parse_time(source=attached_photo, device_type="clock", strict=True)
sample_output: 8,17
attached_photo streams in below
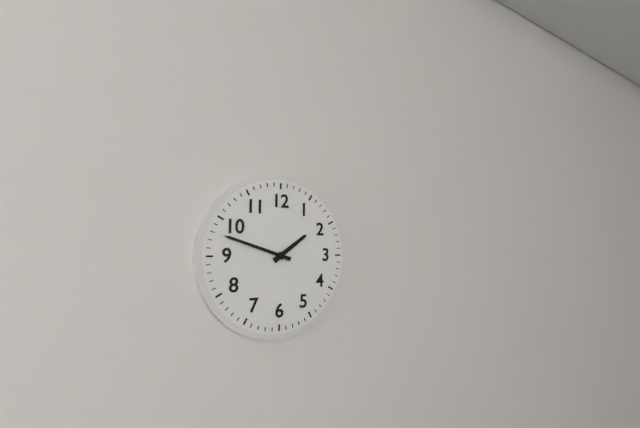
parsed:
1,48
